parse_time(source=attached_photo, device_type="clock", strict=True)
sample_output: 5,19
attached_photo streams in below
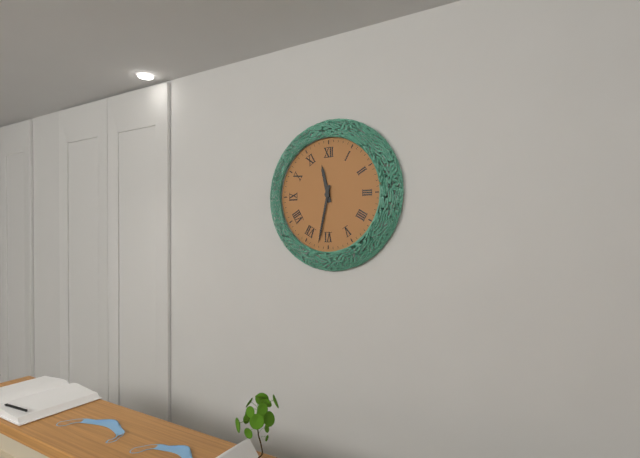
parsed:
11,32
